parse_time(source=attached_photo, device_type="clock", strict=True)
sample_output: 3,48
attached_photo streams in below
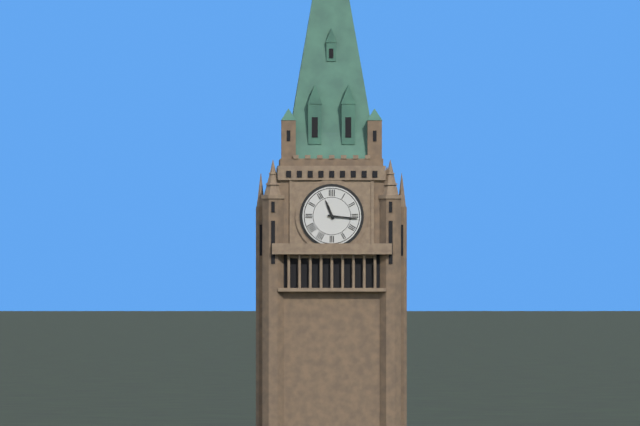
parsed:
11,16
